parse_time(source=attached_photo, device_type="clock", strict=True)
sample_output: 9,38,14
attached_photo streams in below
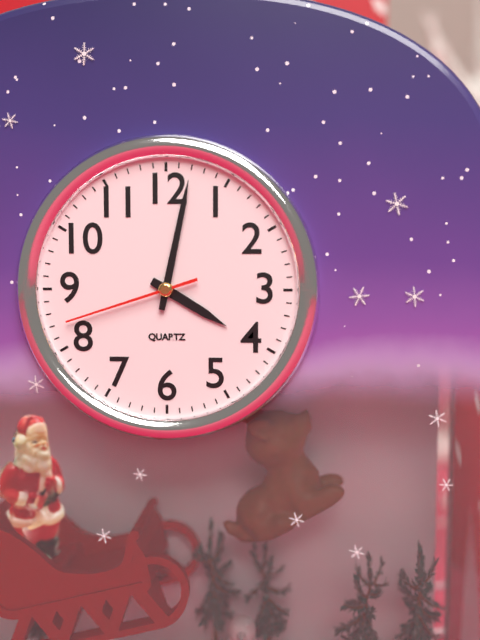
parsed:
4,02,42
